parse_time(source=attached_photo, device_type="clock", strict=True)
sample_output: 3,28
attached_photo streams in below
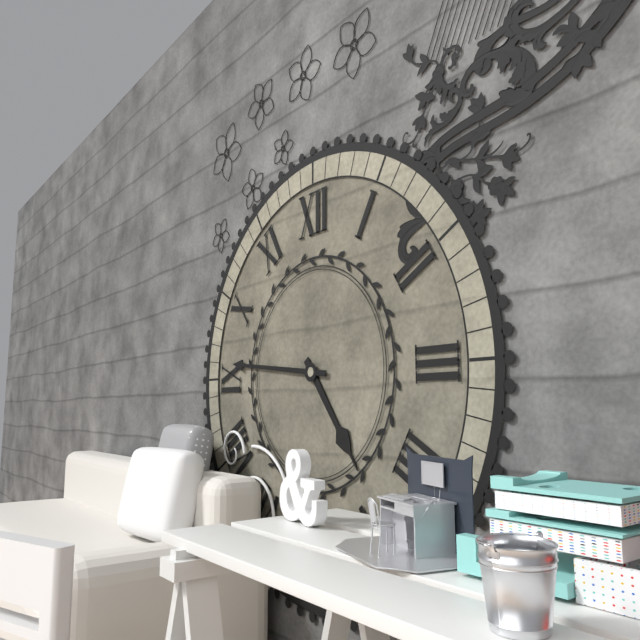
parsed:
4,46
